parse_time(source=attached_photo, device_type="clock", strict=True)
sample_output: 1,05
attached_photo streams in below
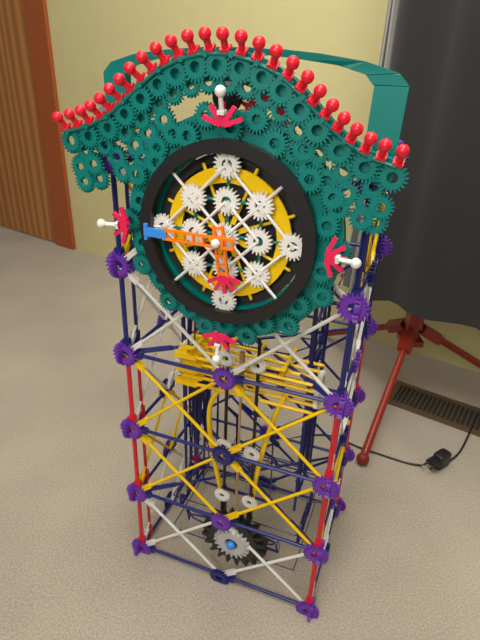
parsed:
5,45
